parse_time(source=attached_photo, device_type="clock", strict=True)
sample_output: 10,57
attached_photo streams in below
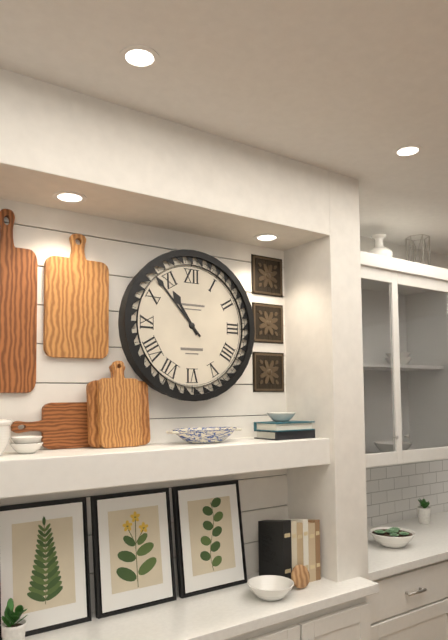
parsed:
10,53
